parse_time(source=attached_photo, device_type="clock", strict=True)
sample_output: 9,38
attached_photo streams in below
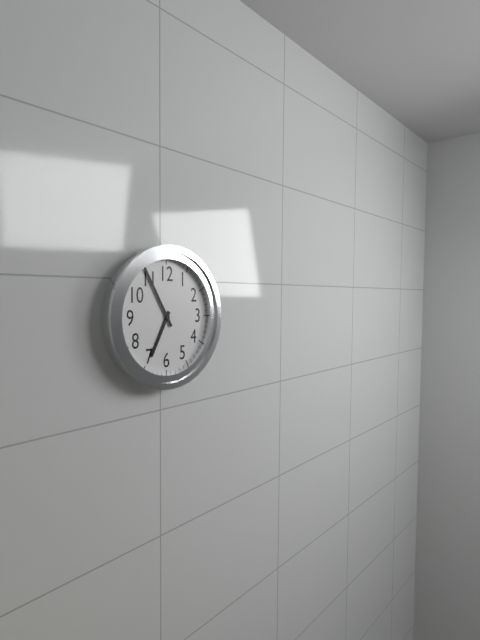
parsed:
6,55
